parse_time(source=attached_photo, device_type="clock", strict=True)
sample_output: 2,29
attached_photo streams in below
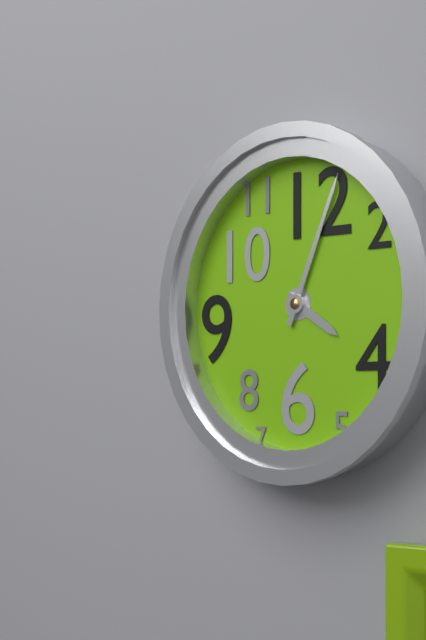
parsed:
4,04
